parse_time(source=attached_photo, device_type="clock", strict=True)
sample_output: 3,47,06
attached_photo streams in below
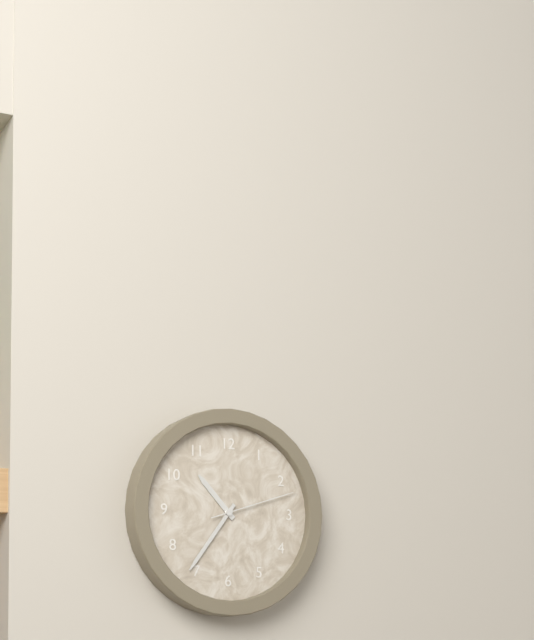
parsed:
10,36,12
